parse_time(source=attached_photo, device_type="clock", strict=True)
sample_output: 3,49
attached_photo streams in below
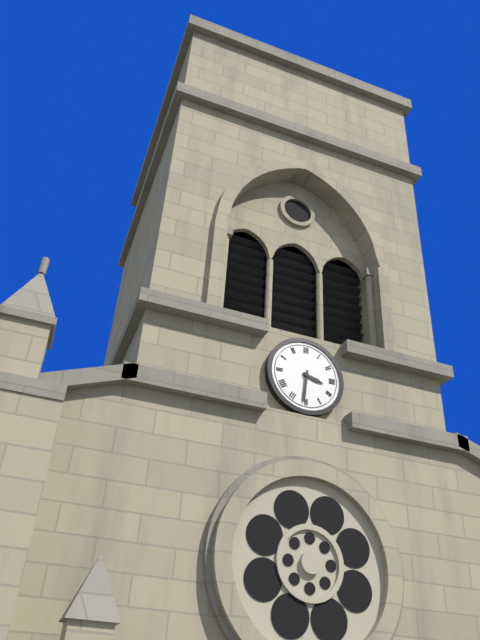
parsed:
3,31
